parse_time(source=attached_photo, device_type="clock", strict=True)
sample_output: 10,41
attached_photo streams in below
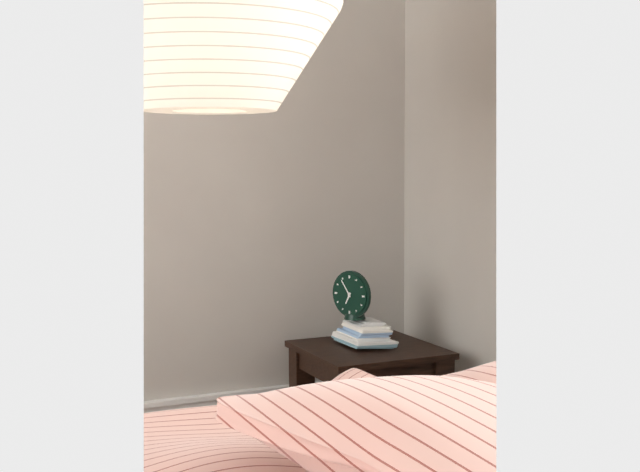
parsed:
6,54
